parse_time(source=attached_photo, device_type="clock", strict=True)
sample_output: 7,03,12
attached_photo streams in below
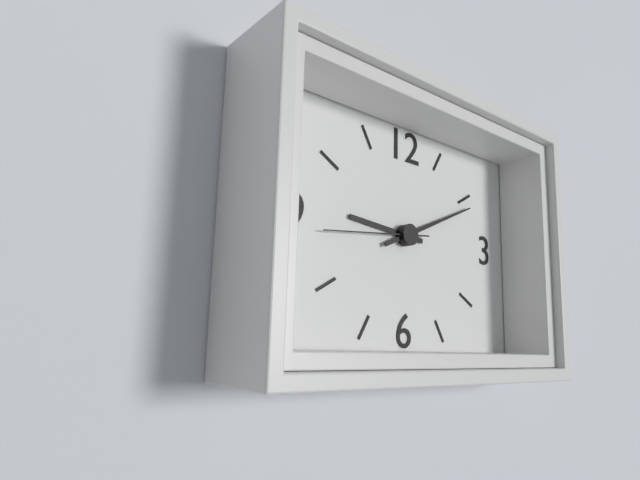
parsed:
9,11,44
